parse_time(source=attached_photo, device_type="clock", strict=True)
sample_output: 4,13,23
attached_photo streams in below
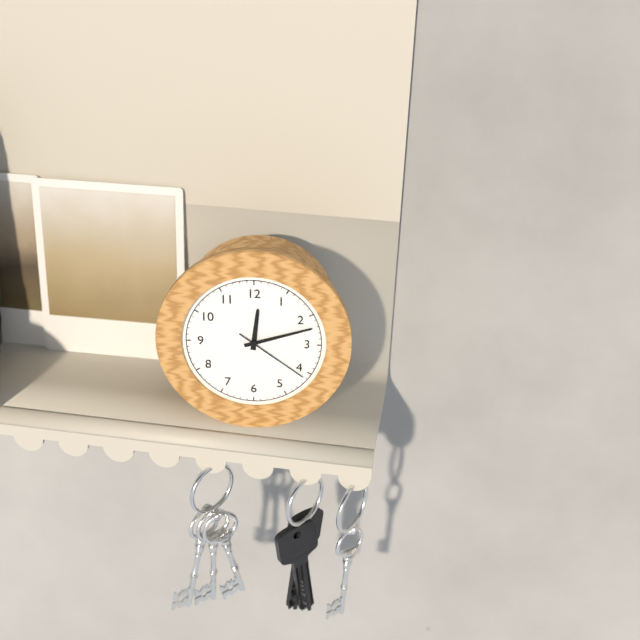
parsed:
12,12,21
